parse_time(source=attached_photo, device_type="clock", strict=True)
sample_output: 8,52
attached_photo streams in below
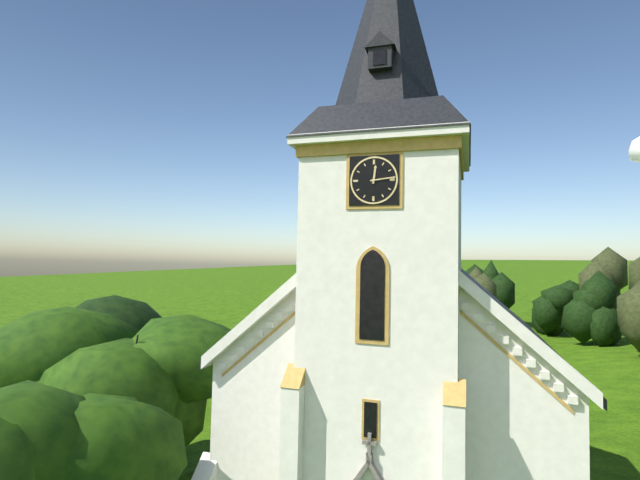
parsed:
12,14
